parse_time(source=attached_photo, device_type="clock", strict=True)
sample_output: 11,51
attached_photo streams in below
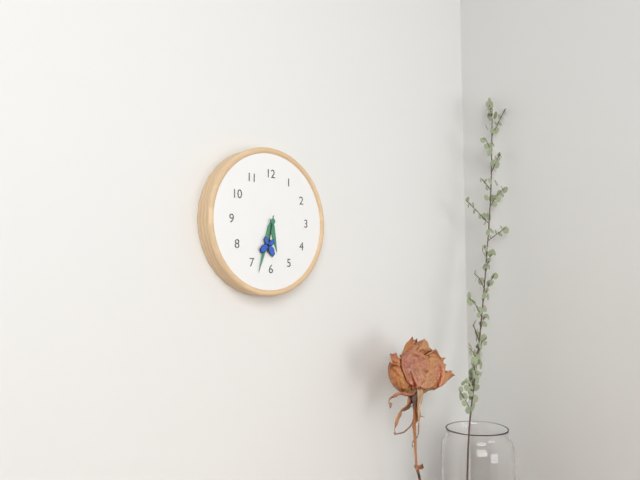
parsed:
5,33
